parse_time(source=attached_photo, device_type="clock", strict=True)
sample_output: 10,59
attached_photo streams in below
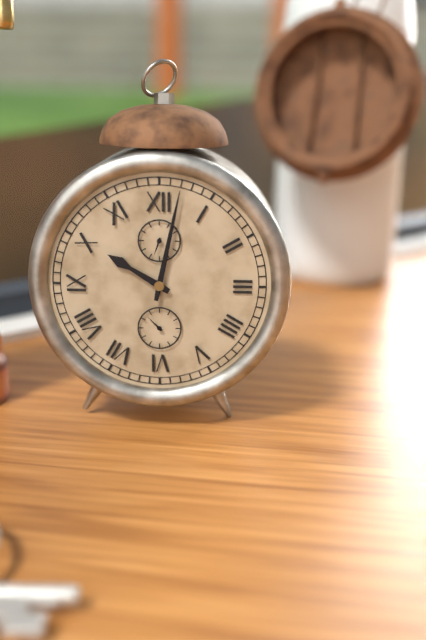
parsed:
10,02
